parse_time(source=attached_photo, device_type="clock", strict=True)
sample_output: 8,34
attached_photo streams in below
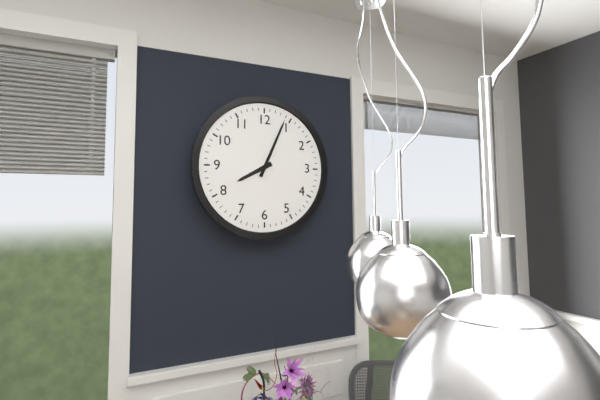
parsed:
8,04
